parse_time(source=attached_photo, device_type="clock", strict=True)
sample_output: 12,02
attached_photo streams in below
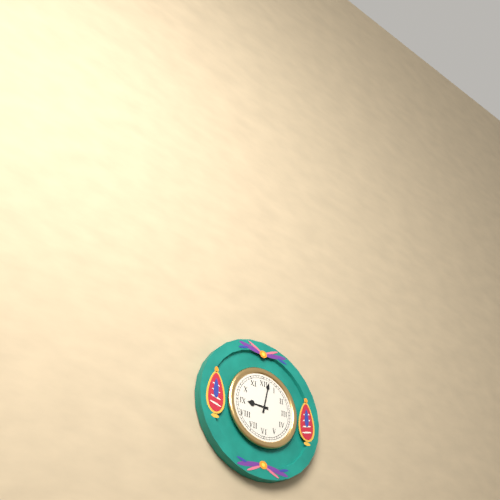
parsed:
9,02
